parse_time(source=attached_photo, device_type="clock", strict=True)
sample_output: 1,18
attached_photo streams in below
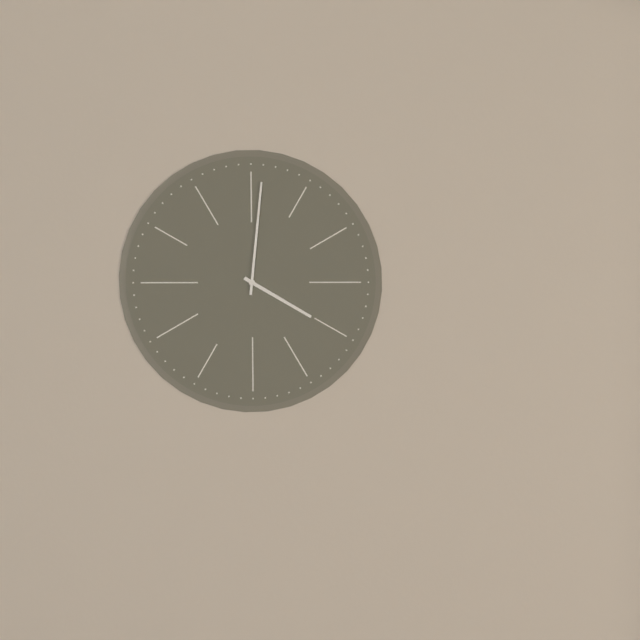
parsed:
4,01
